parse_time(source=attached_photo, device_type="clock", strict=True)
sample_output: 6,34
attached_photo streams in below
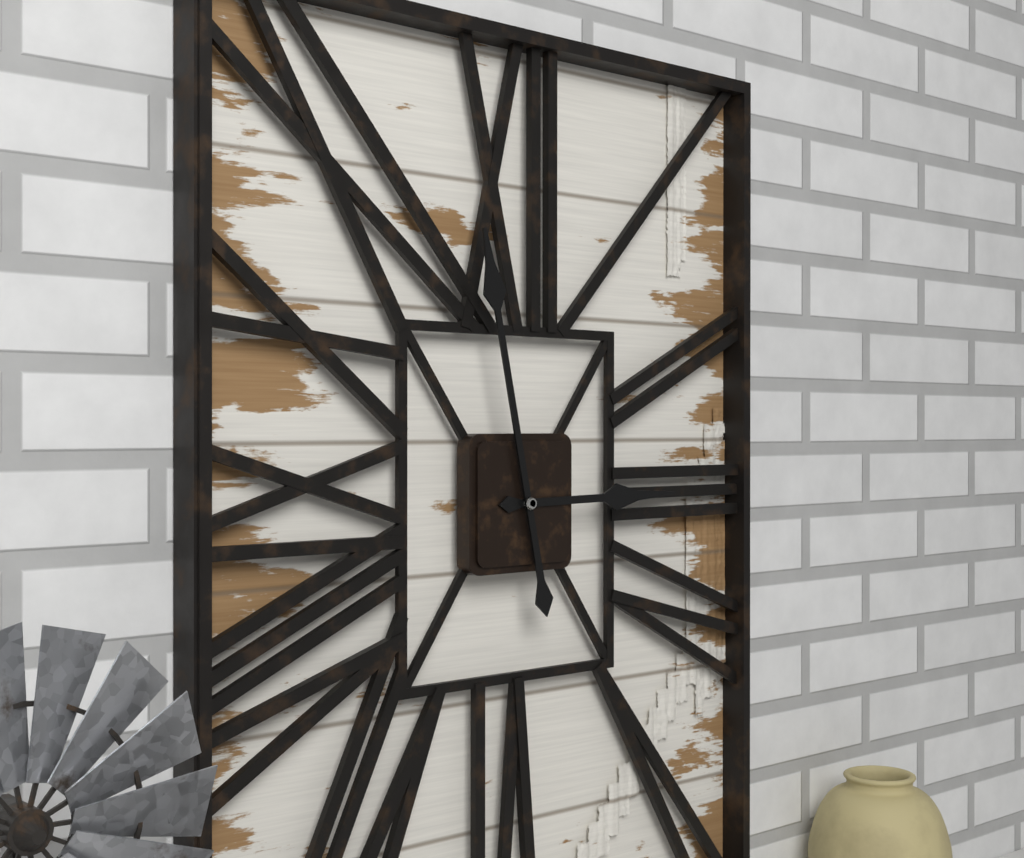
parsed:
2,58
